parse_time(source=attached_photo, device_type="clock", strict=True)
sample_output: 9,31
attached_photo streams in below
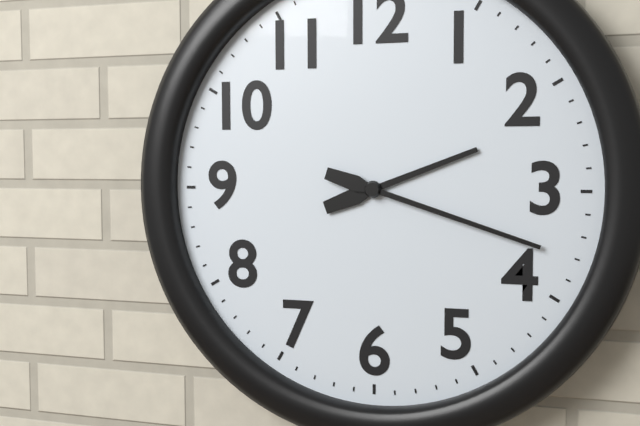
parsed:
2,18
